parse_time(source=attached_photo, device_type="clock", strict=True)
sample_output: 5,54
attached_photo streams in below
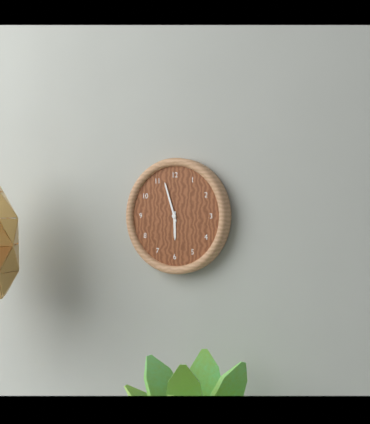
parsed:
5,57
